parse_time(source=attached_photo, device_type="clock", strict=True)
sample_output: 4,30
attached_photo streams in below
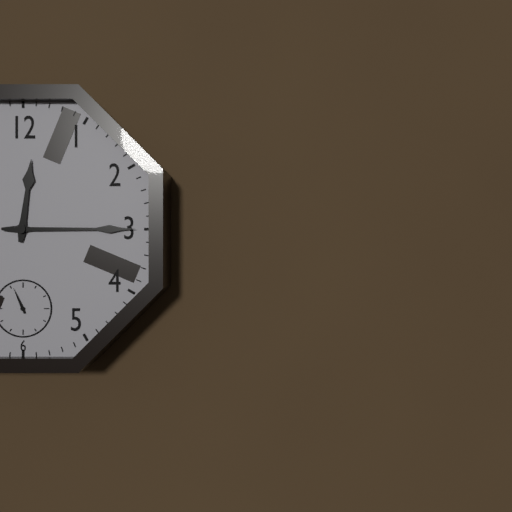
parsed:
12,15
